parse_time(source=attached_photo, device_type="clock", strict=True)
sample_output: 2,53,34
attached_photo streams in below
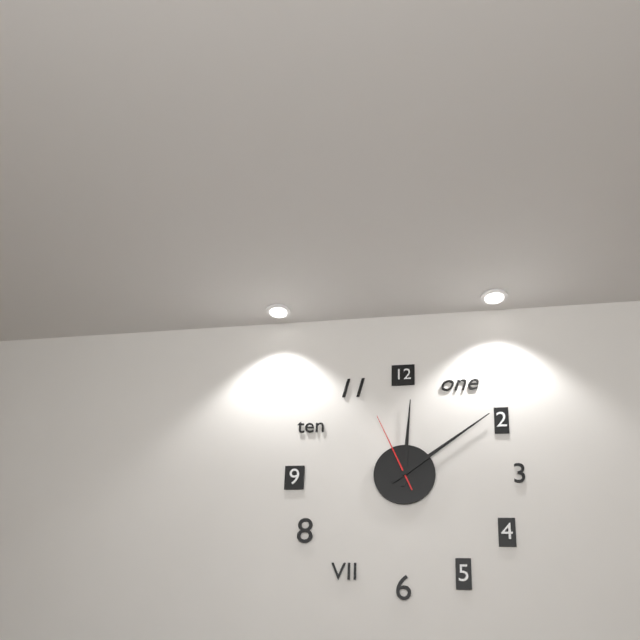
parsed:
12,09,56
